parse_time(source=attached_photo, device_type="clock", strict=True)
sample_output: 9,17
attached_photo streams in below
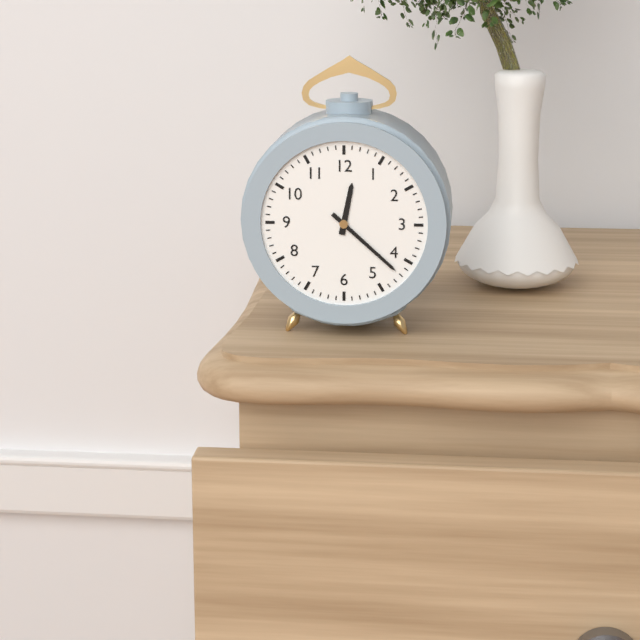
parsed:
12,22
